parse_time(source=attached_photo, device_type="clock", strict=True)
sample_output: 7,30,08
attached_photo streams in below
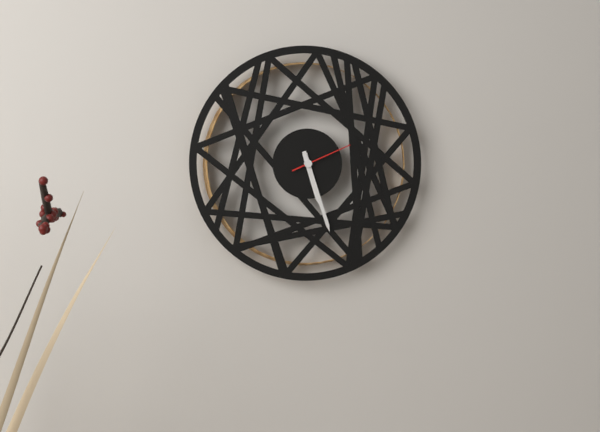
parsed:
5,27,11
